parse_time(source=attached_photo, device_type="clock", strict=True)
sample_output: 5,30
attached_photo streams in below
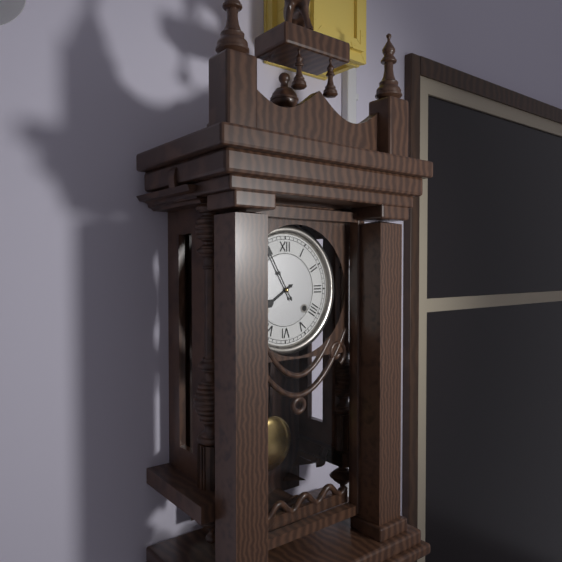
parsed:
7,55
